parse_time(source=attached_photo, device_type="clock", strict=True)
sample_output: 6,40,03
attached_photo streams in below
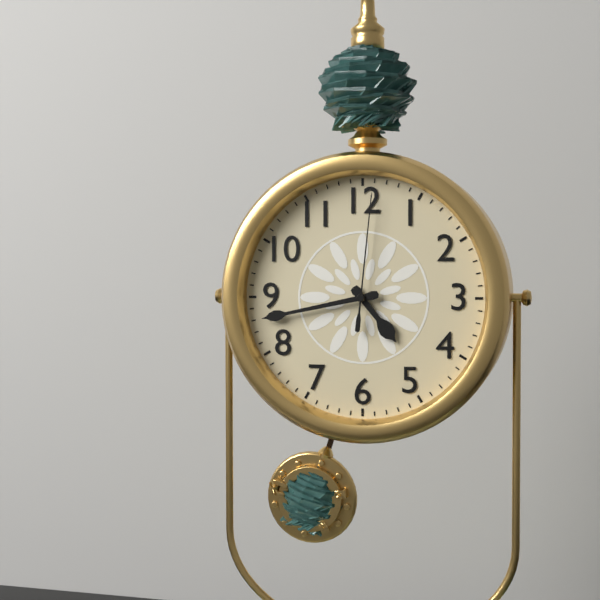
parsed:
4,43,01
